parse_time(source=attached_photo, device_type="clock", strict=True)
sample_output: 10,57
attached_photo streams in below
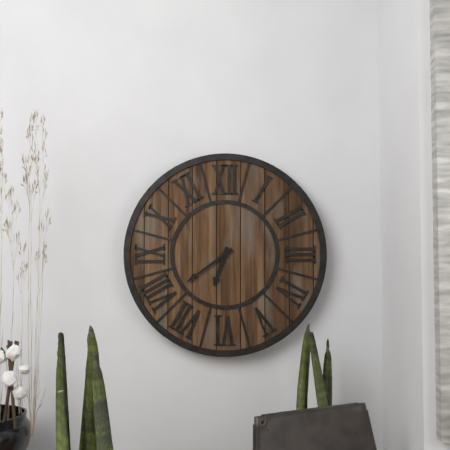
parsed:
6,39
